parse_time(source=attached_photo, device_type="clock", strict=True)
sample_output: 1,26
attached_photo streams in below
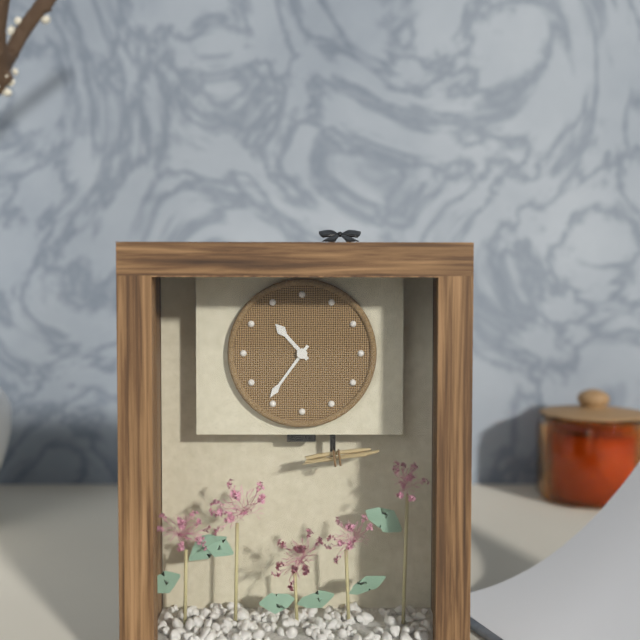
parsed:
10,36
